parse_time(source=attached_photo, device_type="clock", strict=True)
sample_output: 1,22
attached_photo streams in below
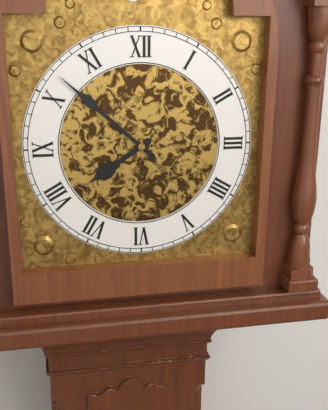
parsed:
7,52
